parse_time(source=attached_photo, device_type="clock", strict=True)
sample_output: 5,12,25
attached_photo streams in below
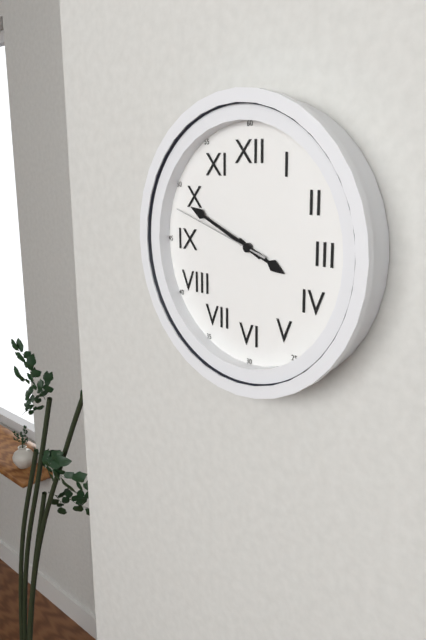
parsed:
3,49,48
